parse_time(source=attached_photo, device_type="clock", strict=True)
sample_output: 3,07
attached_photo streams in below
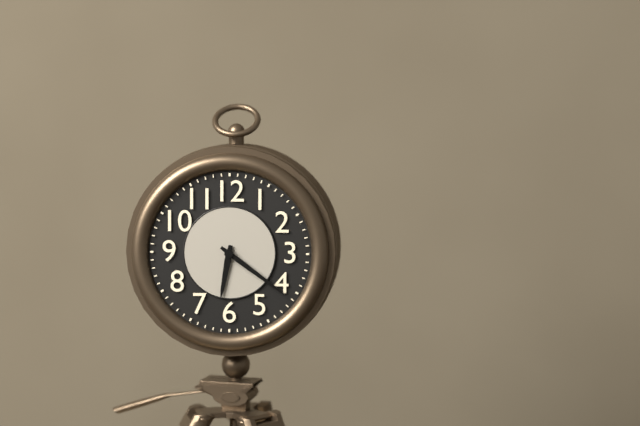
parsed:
6,21
